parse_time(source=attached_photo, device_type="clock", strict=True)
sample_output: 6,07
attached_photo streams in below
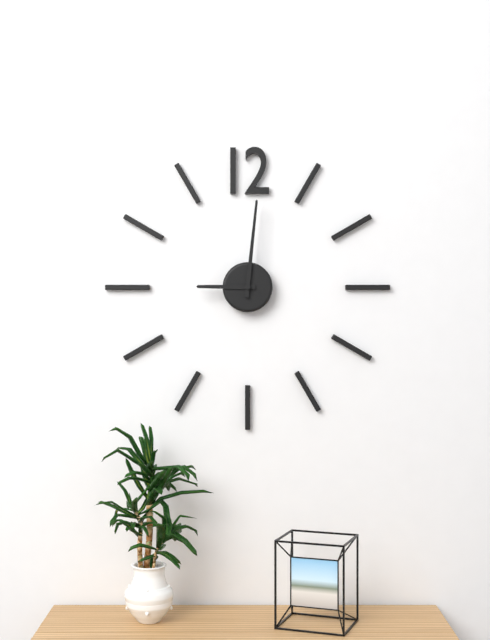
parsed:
9,01
